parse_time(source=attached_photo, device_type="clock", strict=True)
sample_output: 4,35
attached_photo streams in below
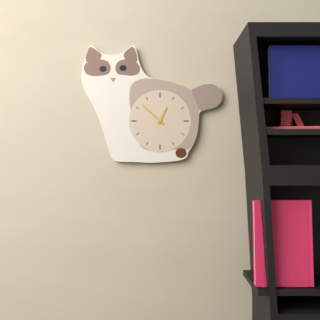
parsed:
12,52
